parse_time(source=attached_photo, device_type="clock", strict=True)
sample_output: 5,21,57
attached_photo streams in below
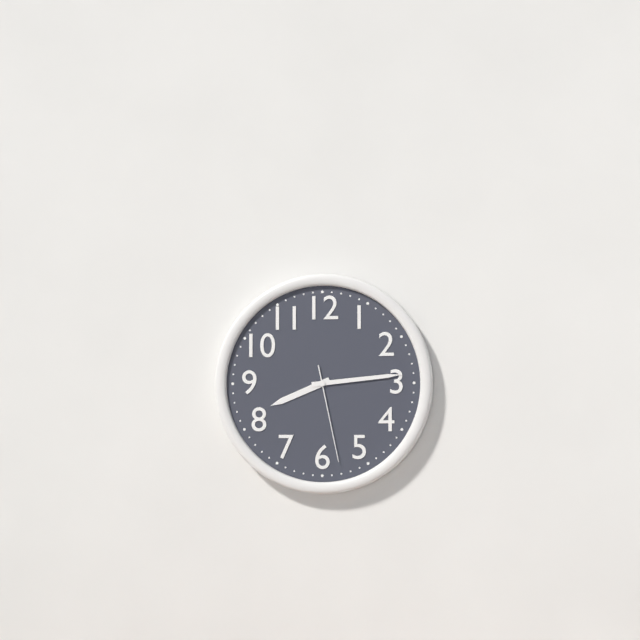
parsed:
8,14,28
